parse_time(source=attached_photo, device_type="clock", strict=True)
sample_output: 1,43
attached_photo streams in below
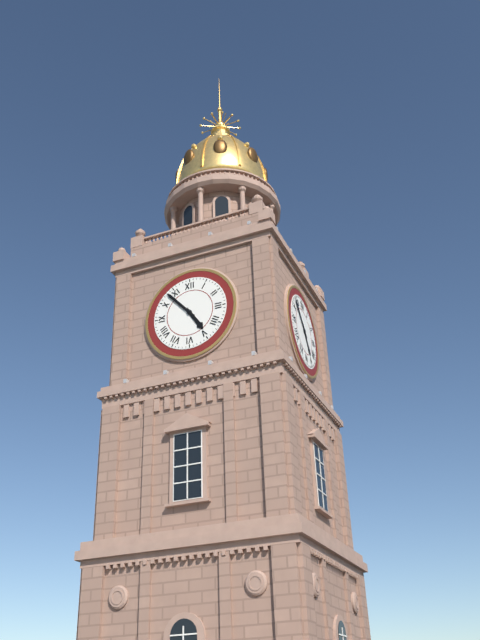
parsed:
4,53
